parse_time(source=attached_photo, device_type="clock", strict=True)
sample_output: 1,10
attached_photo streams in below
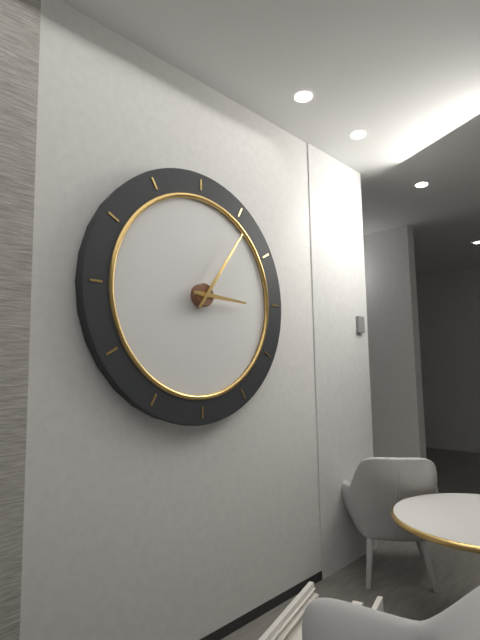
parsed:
3,06
